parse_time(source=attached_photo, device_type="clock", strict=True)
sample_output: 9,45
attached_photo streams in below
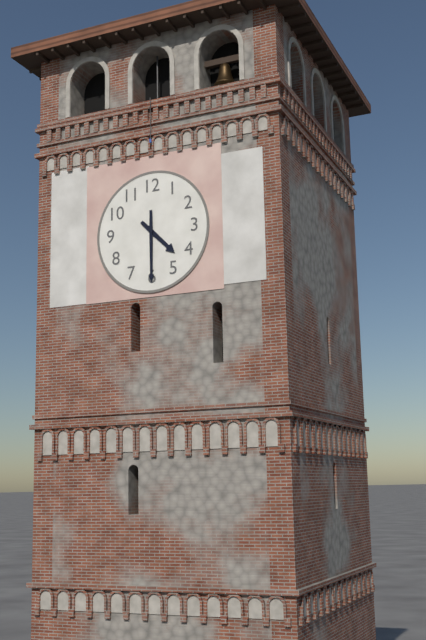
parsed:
4,30
